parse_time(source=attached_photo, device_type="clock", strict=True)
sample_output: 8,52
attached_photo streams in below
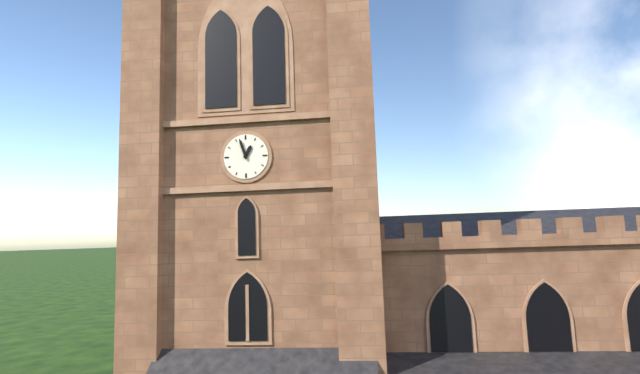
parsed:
12,57
